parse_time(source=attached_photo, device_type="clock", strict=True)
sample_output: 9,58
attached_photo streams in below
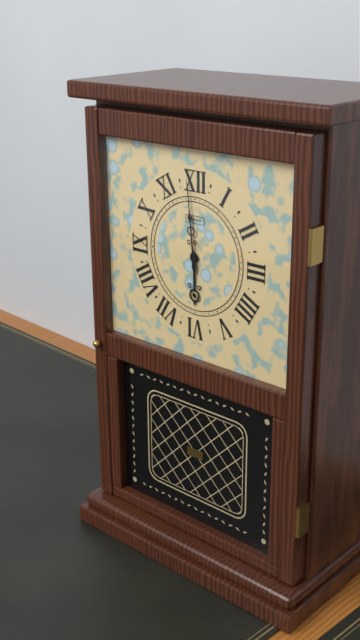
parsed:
5,59
